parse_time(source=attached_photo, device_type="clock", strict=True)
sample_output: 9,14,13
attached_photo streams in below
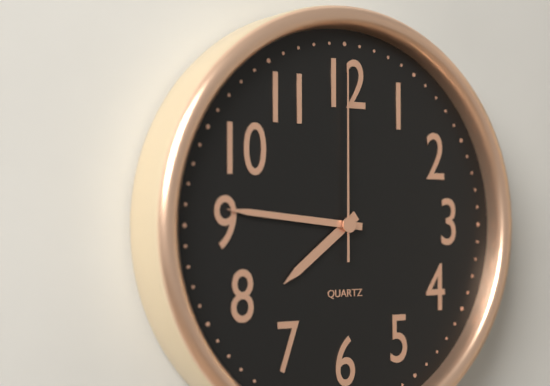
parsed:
7,46,00
